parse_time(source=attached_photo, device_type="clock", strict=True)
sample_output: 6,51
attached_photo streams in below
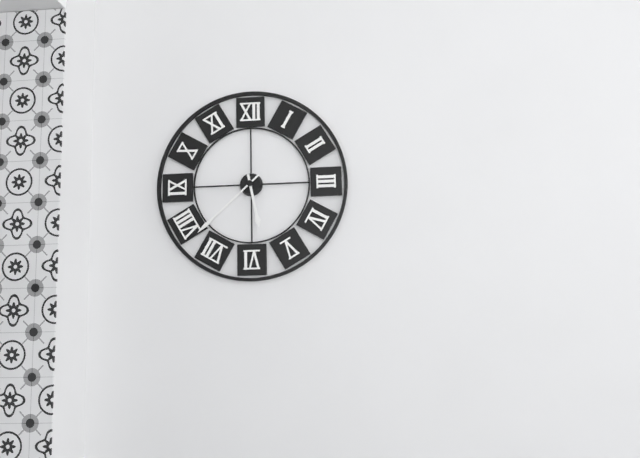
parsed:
5,38
